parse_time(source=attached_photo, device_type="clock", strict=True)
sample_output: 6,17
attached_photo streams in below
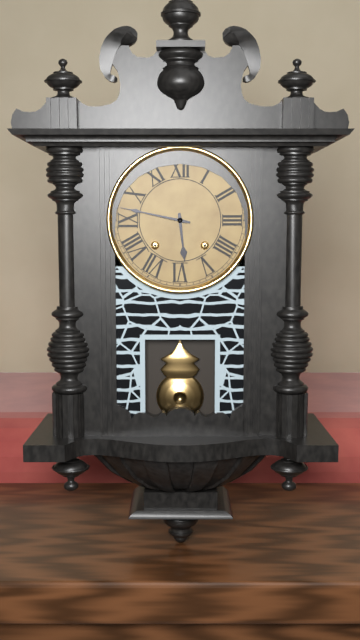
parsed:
5,47
